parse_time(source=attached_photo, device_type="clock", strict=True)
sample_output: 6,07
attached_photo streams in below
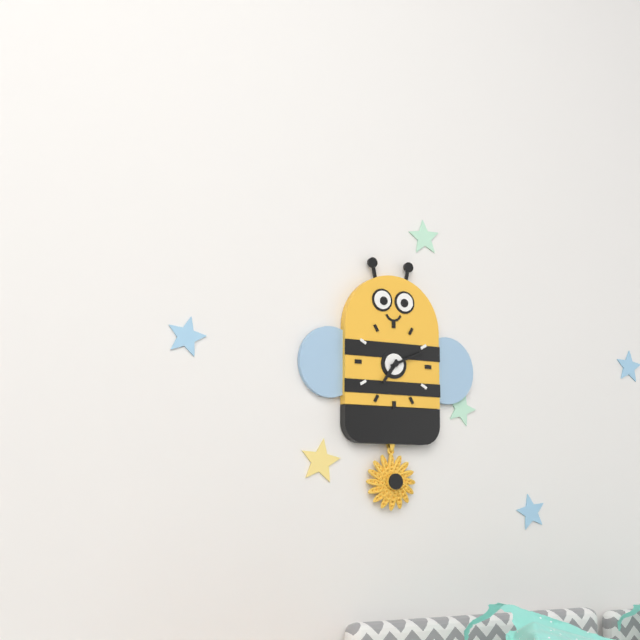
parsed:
7,11
